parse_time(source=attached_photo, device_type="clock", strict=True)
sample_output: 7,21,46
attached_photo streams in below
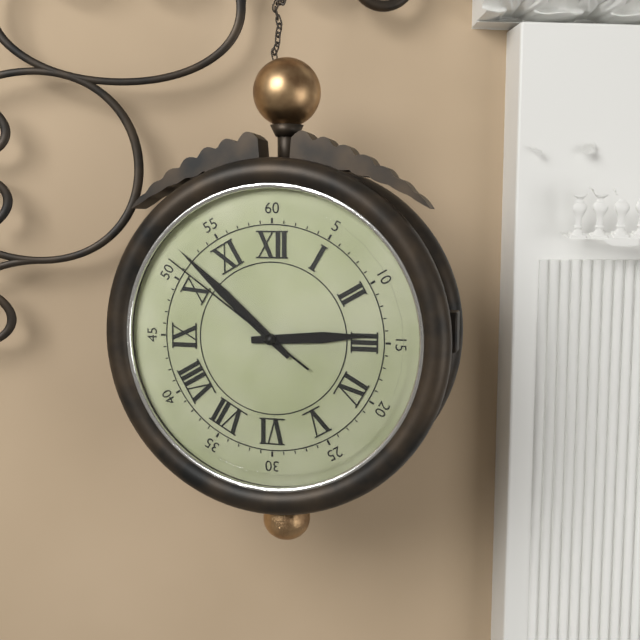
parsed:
2,52,51
